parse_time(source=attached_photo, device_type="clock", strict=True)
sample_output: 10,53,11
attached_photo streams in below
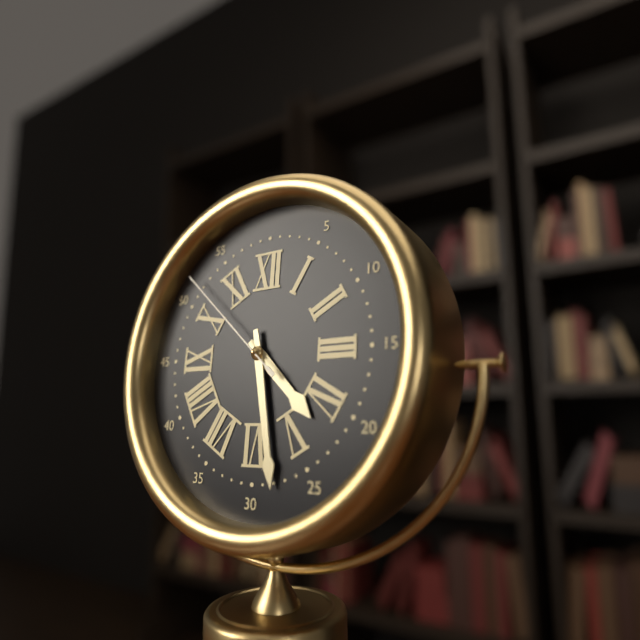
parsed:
4,28,52
